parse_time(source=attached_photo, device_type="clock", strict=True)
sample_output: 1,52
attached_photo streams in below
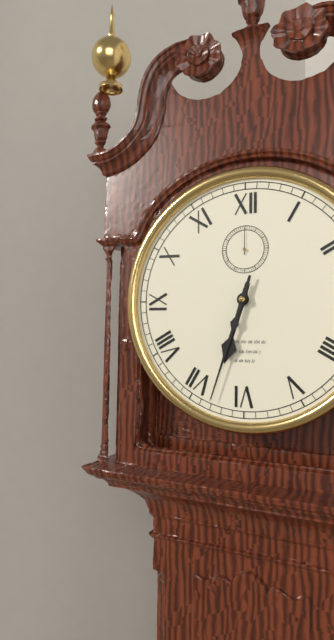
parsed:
6,33
